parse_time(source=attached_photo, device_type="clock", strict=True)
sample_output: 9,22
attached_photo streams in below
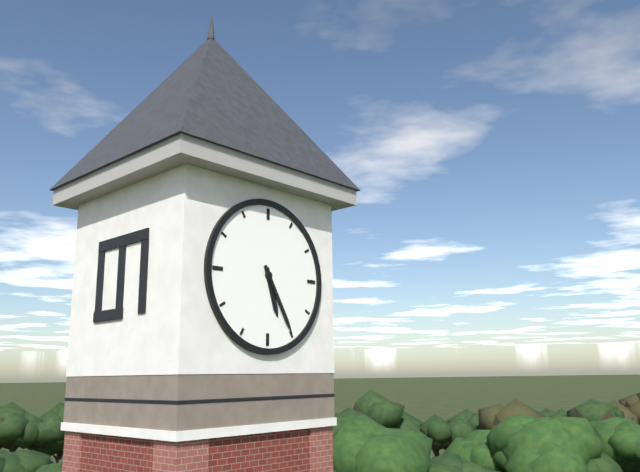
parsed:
5,25
